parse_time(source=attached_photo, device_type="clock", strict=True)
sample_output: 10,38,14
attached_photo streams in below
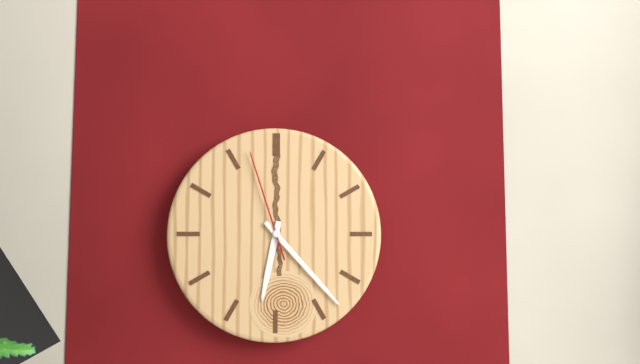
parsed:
6,23,57
